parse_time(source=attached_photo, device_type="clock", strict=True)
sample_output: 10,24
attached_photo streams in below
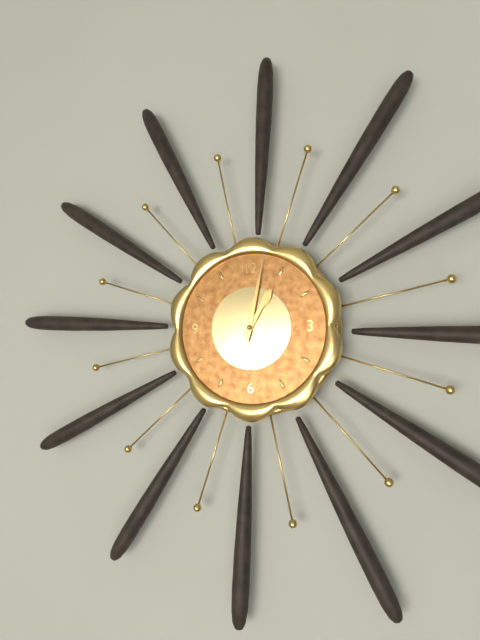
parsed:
1,02
